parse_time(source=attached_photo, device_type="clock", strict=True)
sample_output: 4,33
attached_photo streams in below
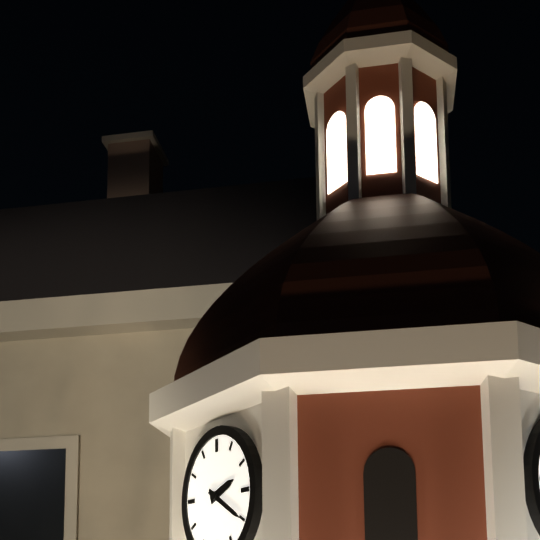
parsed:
2,20
